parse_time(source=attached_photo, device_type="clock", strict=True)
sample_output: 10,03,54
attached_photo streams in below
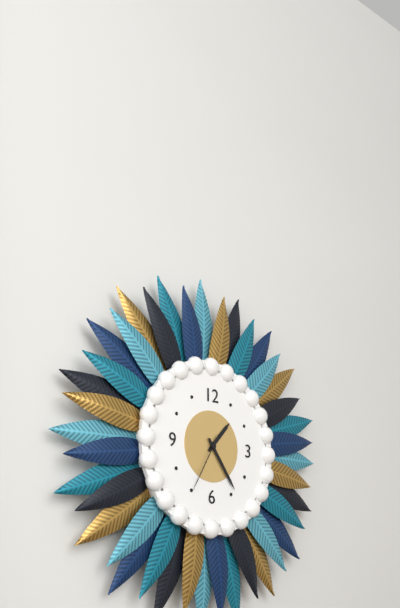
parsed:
1,24,35
